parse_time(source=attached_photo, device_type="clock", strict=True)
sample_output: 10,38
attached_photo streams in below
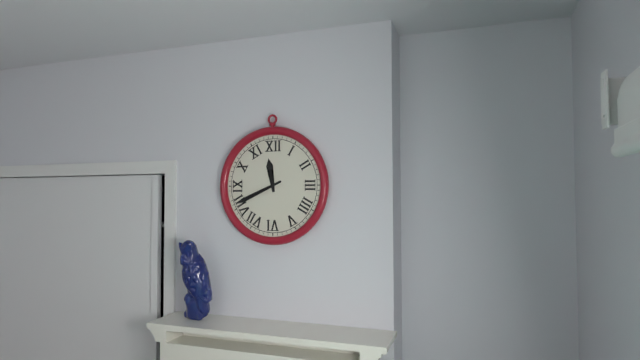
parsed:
11,41
